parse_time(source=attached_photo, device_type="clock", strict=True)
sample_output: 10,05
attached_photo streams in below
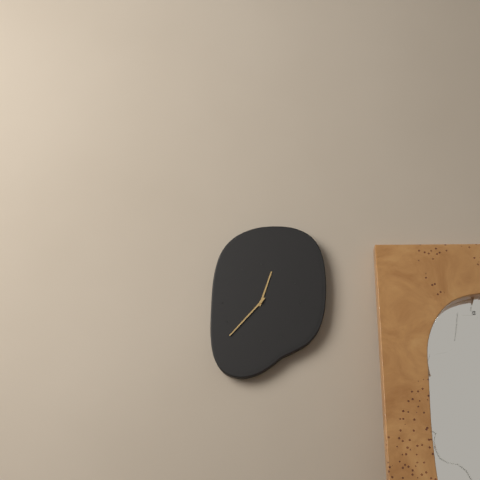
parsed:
12,37
